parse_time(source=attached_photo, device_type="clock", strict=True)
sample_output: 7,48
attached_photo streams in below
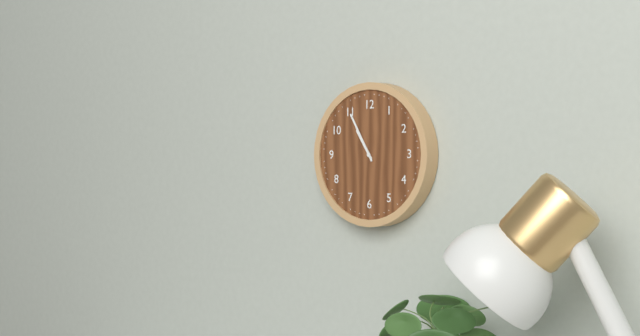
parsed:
10,55
